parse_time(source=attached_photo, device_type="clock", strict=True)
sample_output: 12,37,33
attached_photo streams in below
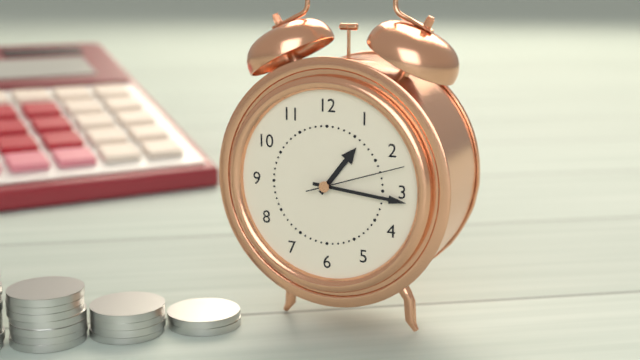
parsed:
1,16,12
